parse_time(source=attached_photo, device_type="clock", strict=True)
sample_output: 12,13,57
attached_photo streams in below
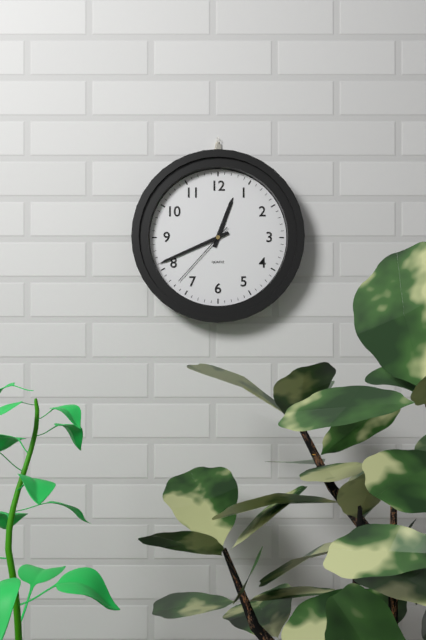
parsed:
12,41,37
